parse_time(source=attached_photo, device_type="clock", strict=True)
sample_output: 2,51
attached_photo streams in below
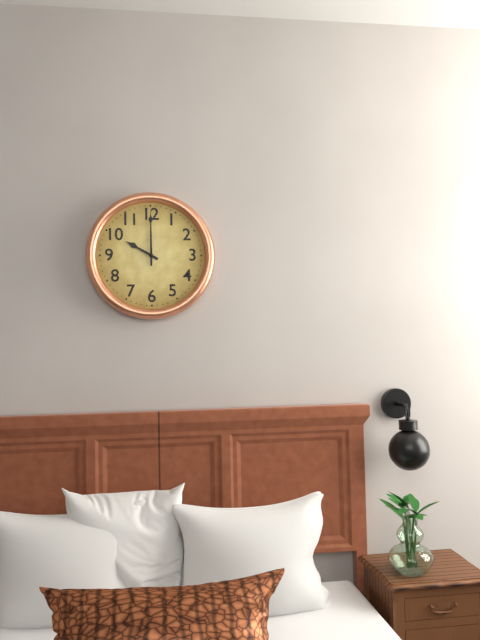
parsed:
10,00
